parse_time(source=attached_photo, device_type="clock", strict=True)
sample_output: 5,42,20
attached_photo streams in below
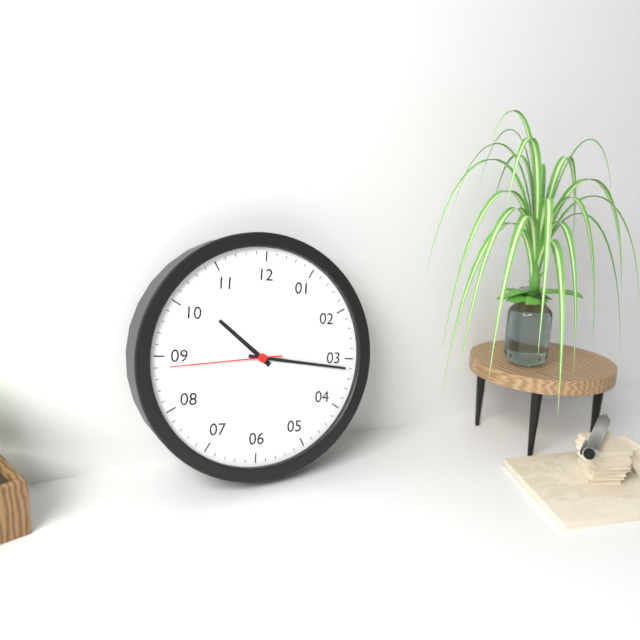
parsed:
10,16,44
